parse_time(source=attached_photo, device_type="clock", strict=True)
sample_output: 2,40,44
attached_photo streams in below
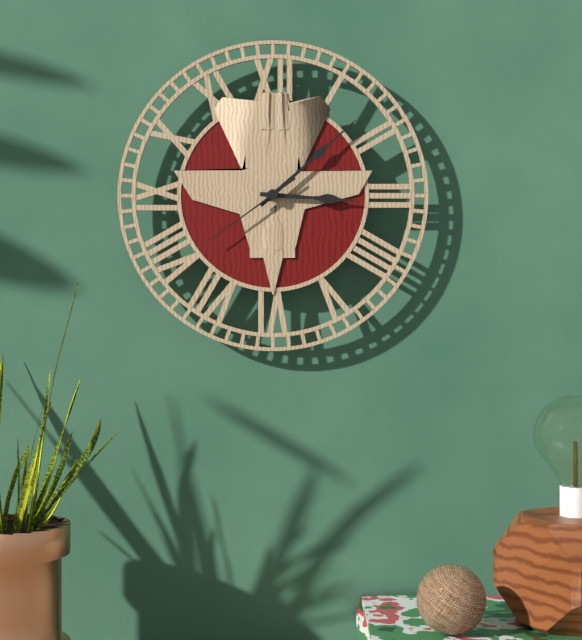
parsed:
3,08,39
